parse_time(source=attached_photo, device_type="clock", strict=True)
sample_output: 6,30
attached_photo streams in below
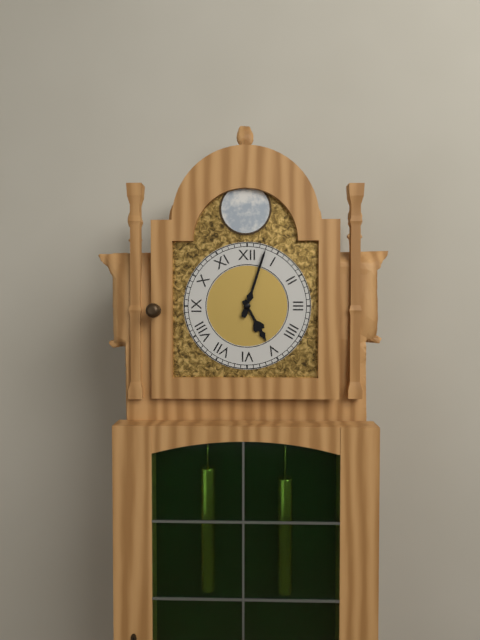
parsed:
5,03
